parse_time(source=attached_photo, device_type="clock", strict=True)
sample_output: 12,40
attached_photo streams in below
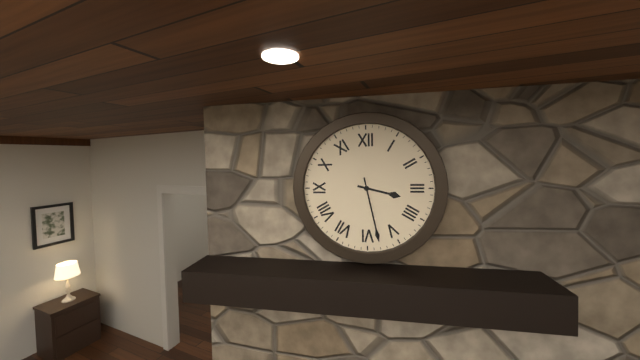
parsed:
3,28
